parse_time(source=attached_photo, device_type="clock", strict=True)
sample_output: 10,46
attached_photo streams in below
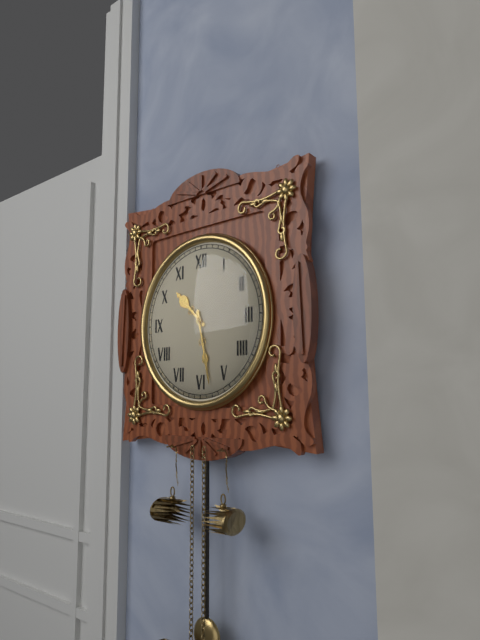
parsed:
10,28
